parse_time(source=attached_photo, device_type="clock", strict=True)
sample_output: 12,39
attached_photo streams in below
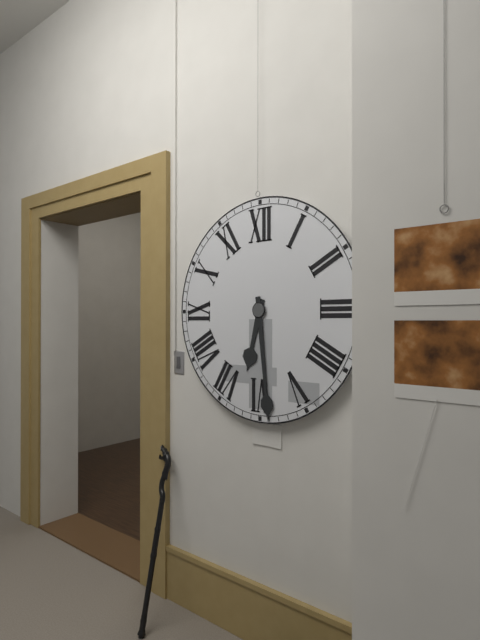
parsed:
6,29
